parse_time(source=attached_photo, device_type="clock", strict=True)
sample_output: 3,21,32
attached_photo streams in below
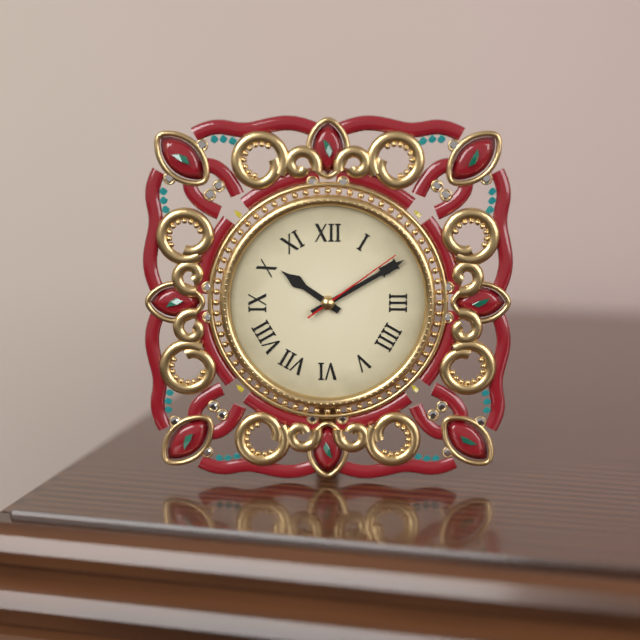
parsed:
10,10,09
